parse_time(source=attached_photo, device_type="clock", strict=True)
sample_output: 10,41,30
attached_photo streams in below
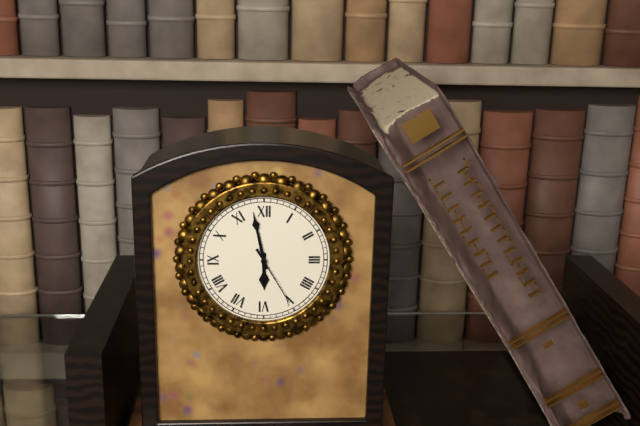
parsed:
5,58,25
